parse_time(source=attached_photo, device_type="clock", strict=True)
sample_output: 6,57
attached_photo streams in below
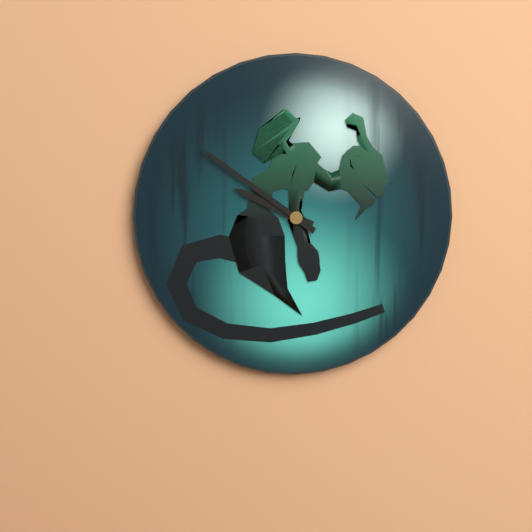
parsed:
9,51
